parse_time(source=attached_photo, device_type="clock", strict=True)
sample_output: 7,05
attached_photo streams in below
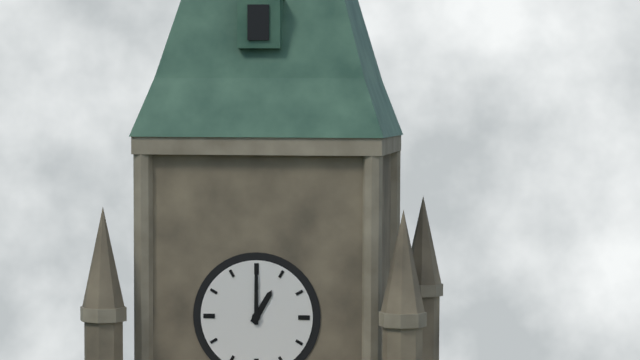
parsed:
1,00
